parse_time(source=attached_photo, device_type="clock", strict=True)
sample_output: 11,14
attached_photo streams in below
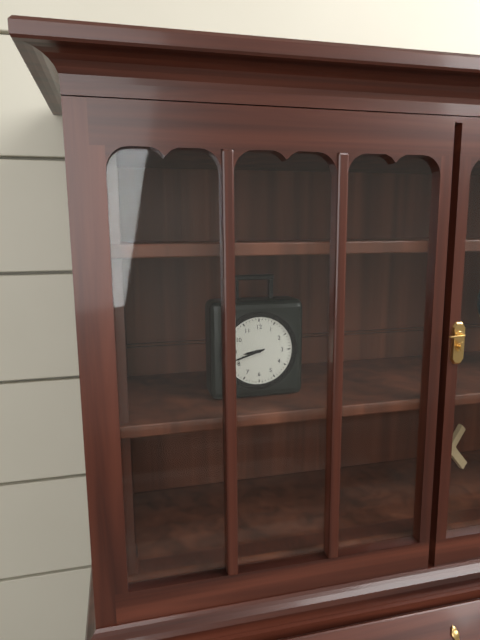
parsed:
8,42
